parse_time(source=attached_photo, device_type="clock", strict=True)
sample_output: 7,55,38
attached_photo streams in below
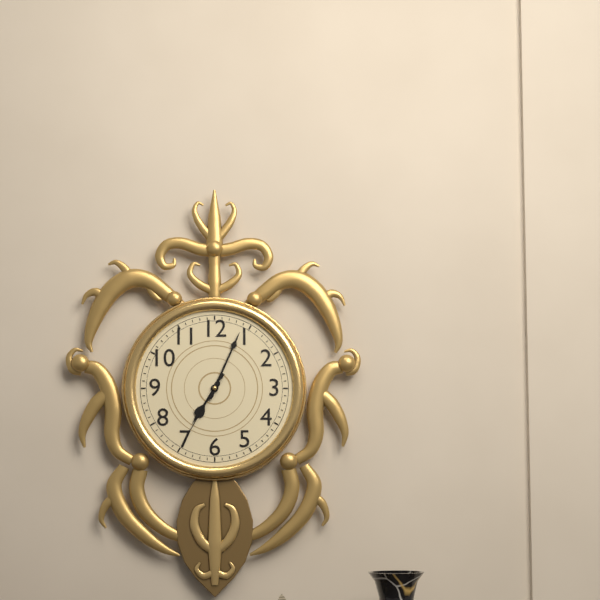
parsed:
7,04,35
